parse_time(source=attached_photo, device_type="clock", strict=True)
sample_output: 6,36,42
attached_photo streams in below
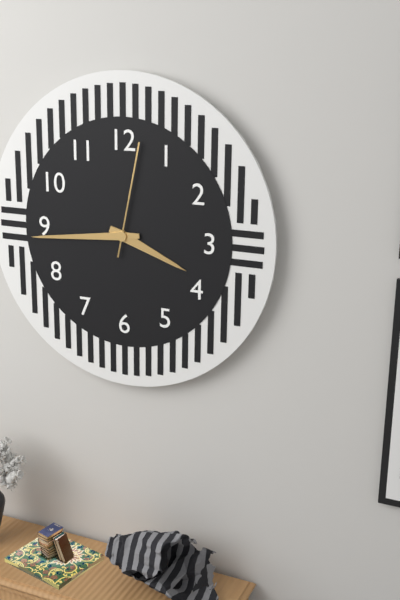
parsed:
3,44,02
